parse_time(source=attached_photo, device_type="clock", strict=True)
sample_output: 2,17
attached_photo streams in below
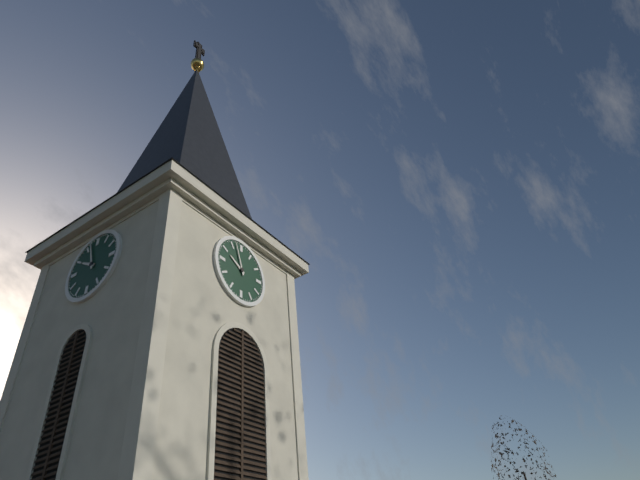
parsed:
9,57
